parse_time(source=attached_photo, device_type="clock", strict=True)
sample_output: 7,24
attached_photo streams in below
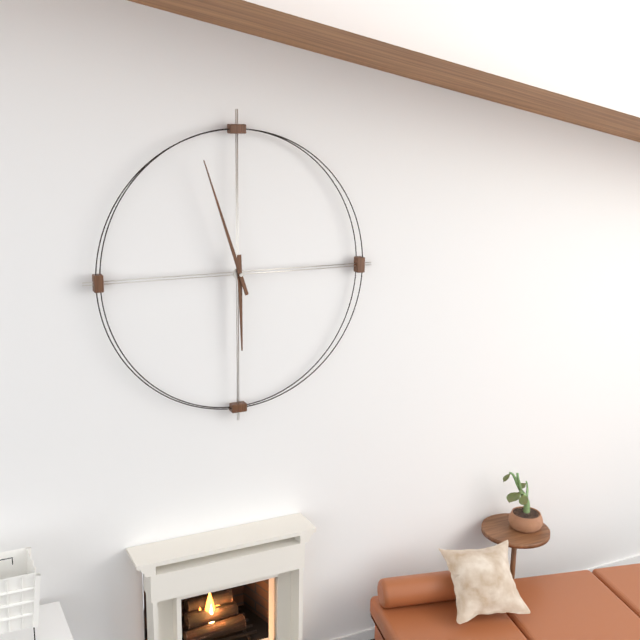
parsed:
5,57
